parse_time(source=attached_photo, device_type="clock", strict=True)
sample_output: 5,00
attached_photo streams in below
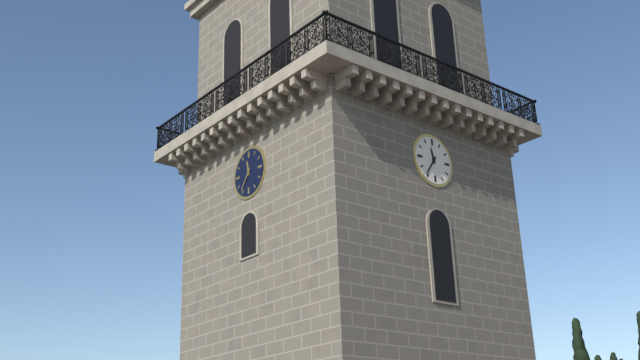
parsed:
11,36
